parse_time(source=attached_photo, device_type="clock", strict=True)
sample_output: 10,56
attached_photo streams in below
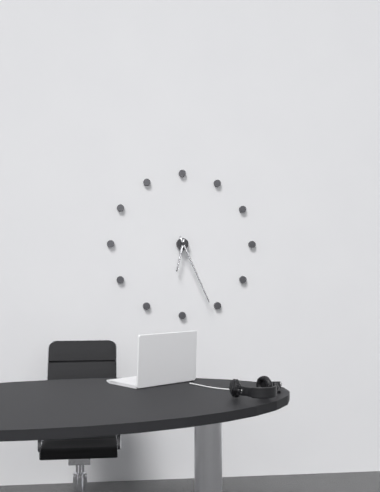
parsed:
6,26
